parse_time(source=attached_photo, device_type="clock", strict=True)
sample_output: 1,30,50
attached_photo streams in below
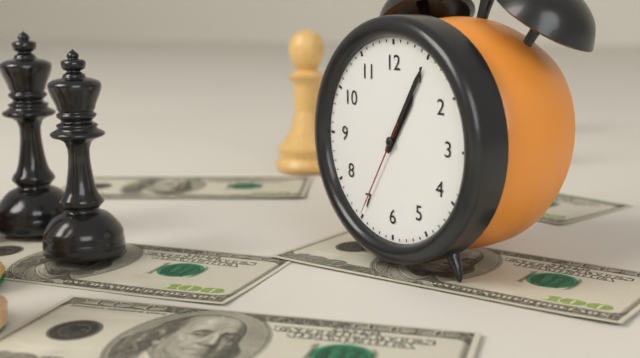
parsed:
1,05,35
